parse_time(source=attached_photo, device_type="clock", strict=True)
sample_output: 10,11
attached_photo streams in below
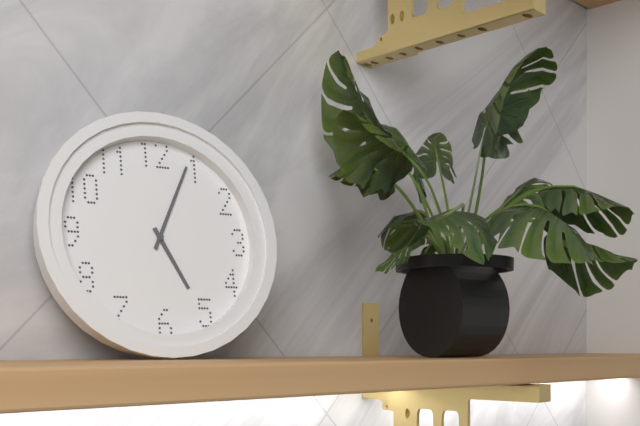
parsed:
5,04
